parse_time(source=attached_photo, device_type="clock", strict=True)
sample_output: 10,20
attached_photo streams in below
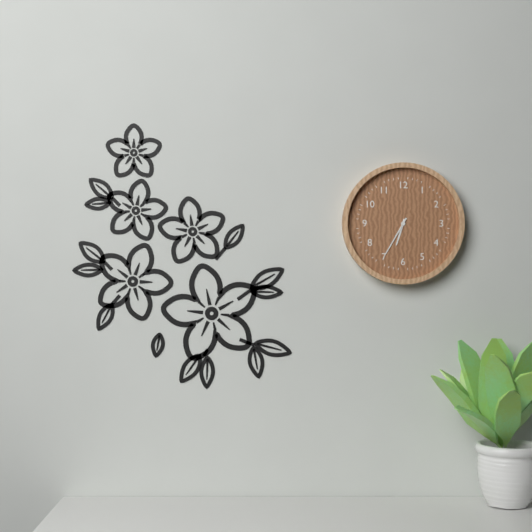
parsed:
6,35
